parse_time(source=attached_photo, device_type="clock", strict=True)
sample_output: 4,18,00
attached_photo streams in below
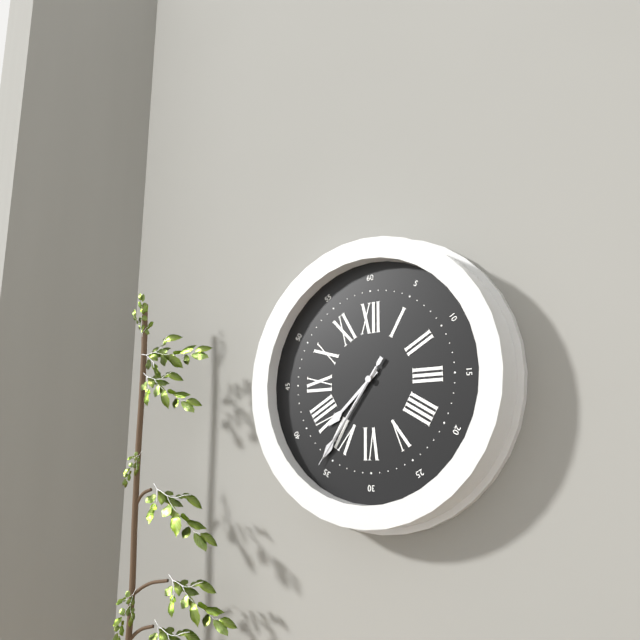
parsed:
7,36,36
